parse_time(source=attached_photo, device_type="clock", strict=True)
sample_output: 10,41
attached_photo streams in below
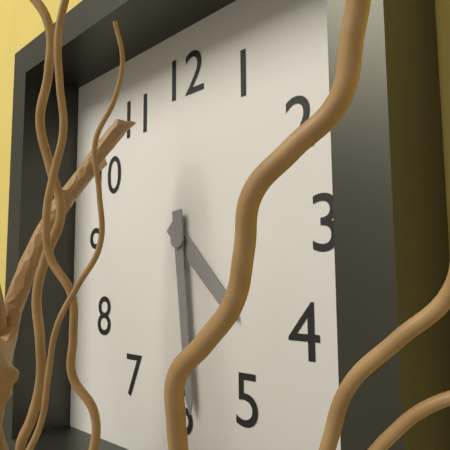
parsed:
4,29
